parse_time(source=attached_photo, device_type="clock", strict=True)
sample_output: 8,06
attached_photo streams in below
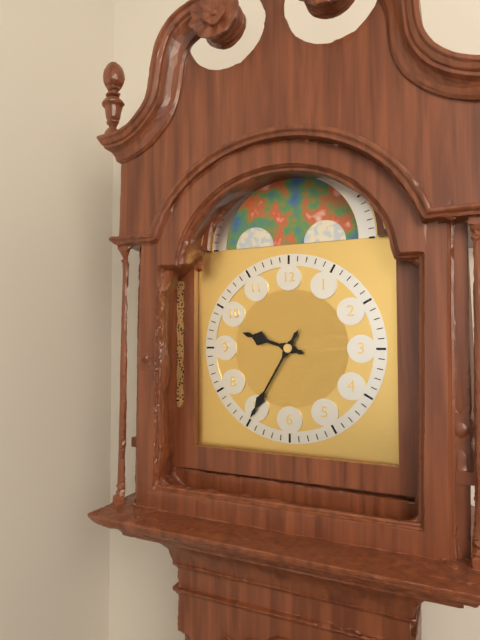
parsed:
9,35
